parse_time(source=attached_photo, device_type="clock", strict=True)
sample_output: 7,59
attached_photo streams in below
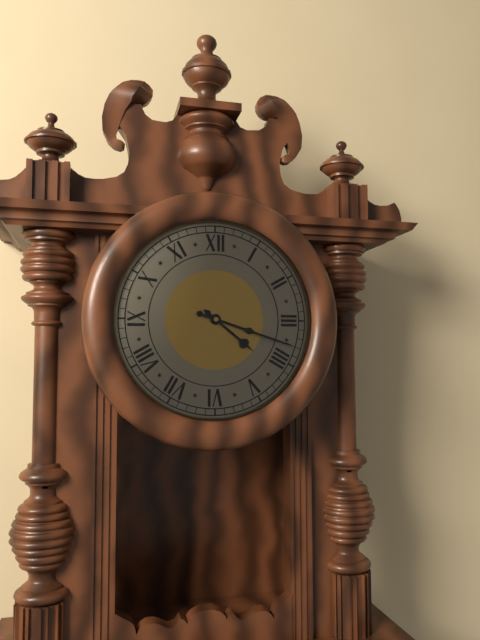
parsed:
4,18
